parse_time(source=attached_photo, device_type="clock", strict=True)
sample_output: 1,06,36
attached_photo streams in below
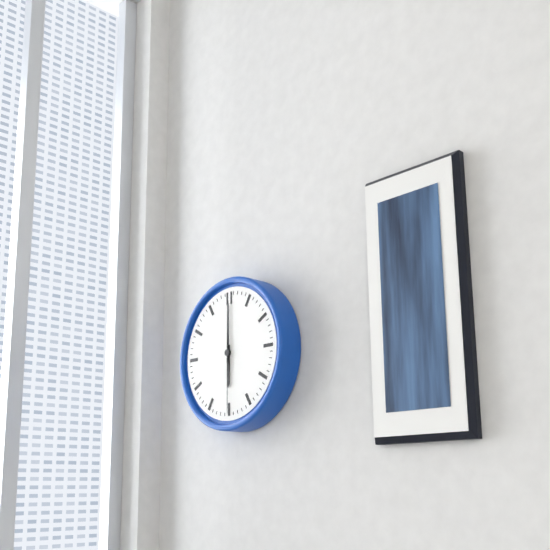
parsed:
6,00,30
